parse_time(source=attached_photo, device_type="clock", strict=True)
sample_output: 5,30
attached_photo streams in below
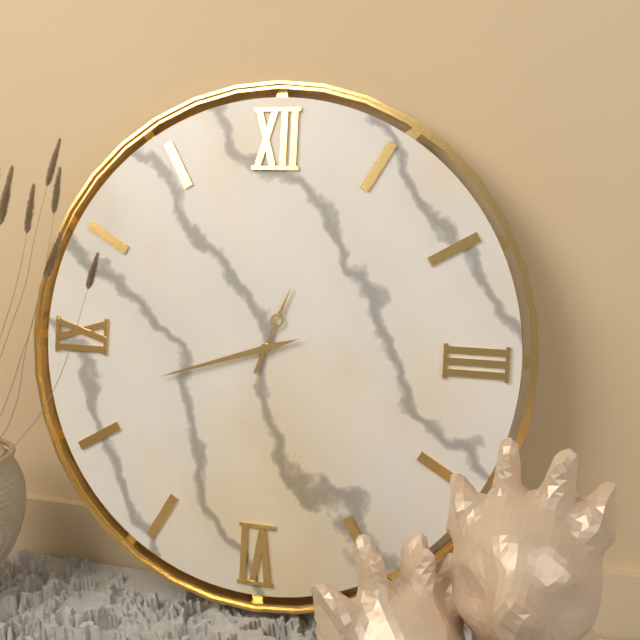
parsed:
12,42
